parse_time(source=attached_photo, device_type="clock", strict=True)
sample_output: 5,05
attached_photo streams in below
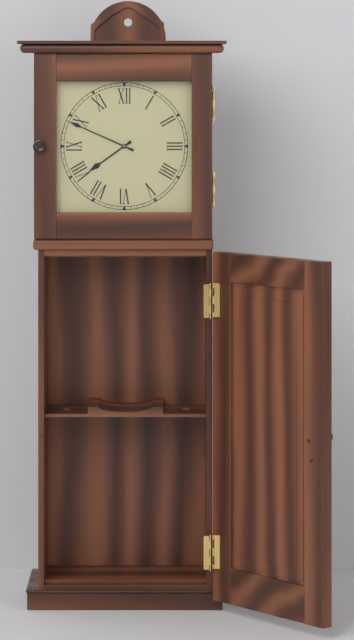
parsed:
7,49
